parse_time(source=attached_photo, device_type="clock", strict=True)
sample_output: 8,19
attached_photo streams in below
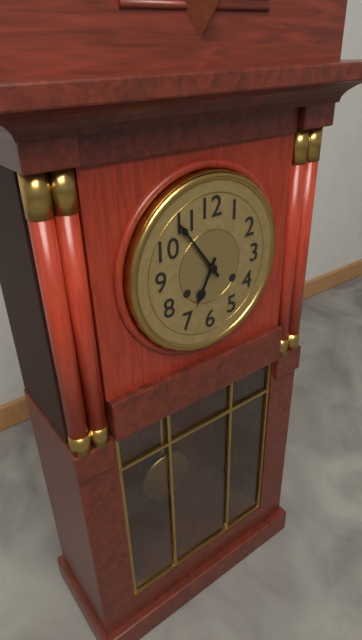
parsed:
6,54
